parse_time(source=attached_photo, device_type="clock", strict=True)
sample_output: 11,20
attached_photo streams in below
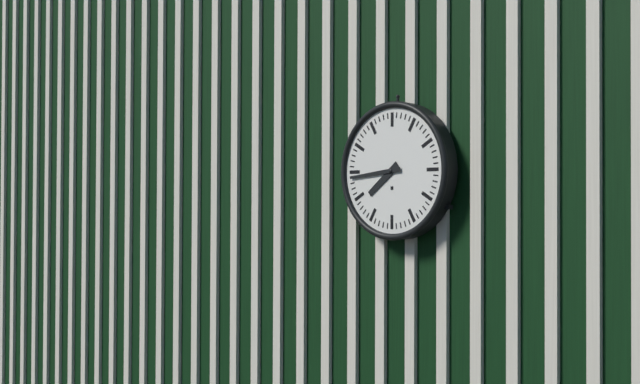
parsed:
7,44
